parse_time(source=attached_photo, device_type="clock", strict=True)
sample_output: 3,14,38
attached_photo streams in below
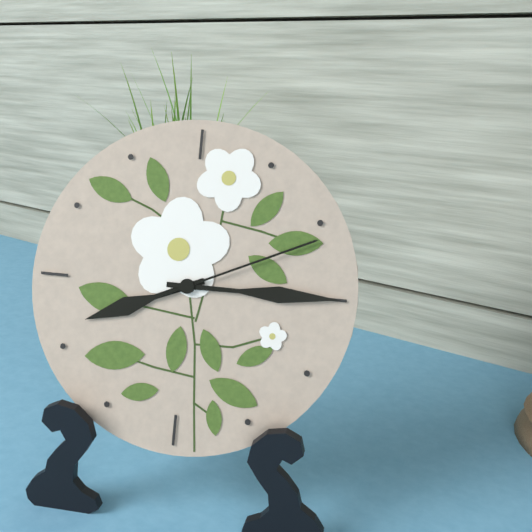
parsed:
8,15,11
